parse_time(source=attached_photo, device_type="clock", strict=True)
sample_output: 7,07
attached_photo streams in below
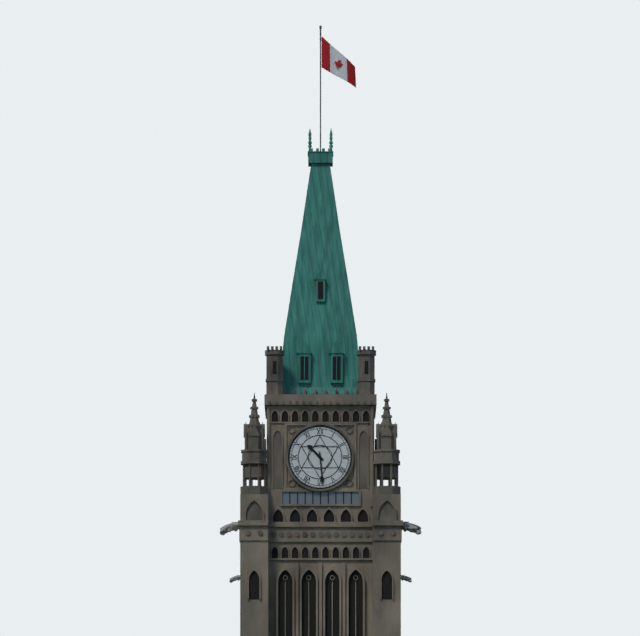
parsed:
10,29
